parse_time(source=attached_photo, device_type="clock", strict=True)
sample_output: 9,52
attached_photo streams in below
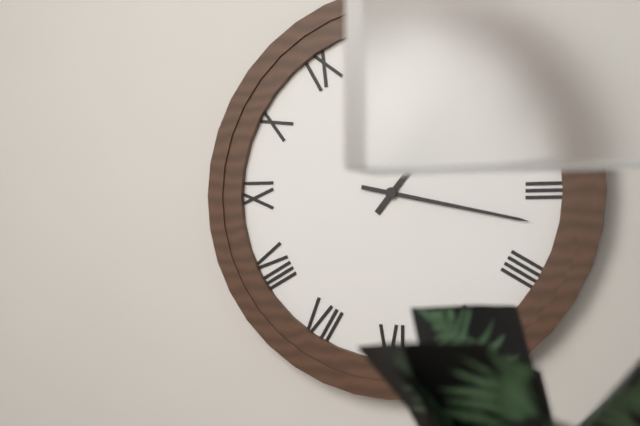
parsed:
1,17
